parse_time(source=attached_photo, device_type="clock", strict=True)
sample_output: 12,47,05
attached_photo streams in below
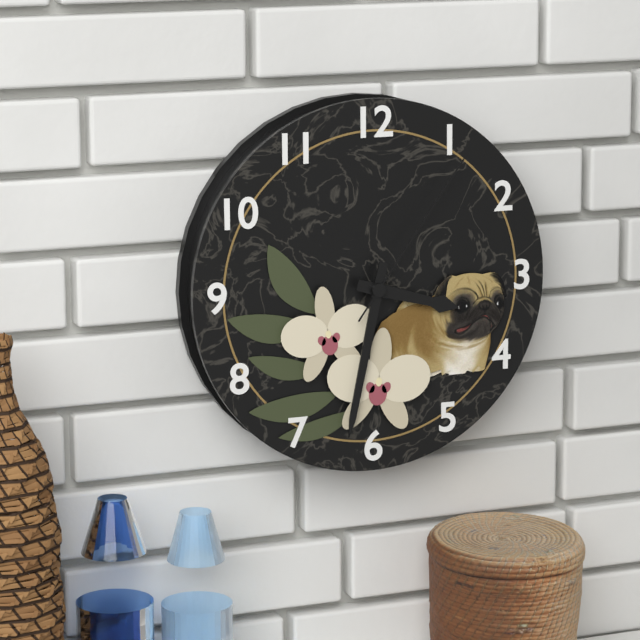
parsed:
3,32,06
